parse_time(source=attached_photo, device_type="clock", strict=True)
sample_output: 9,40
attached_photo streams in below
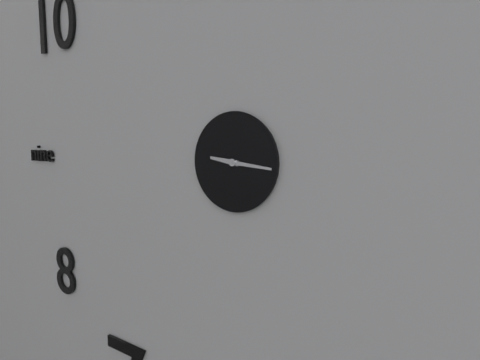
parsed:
9,16
